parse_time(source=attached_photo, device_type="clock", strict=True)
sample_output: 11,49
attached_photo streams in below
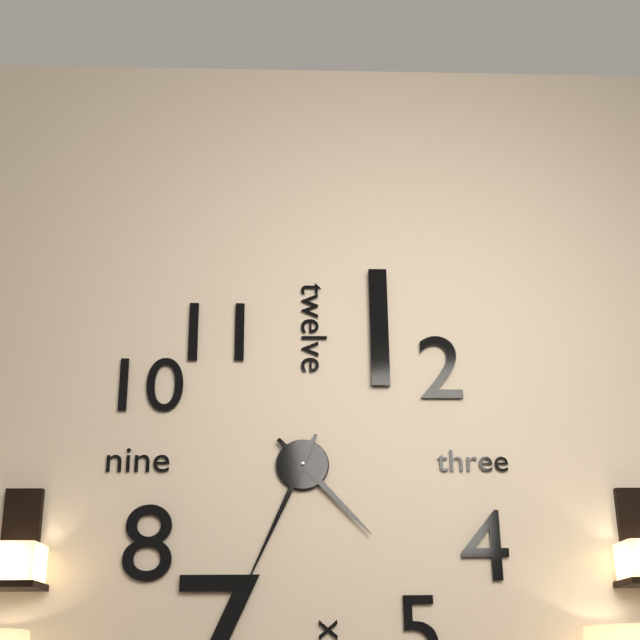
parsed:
4,34
